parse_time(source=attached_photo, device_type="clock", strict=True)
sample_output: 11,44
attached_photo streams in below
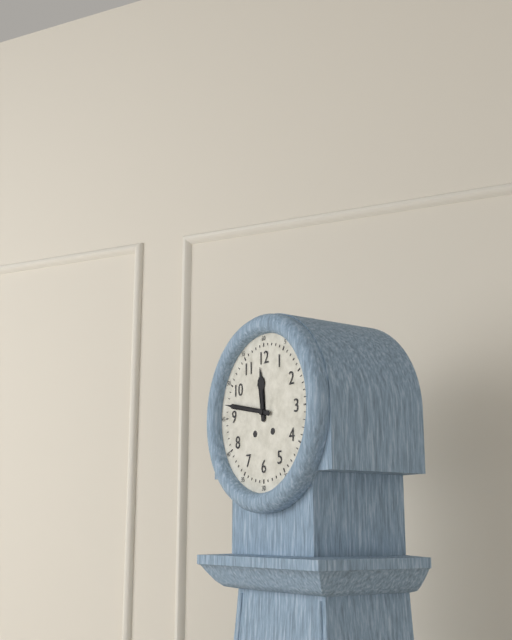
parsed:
11,47
